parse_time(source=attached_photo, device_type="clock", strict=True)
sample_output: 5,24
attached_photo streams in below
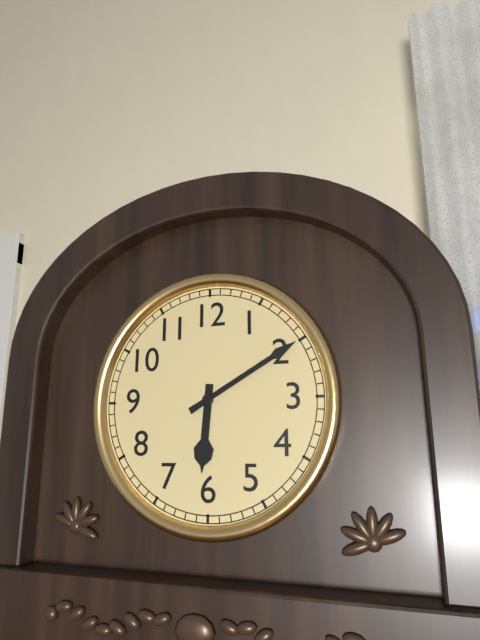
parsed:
6,10
